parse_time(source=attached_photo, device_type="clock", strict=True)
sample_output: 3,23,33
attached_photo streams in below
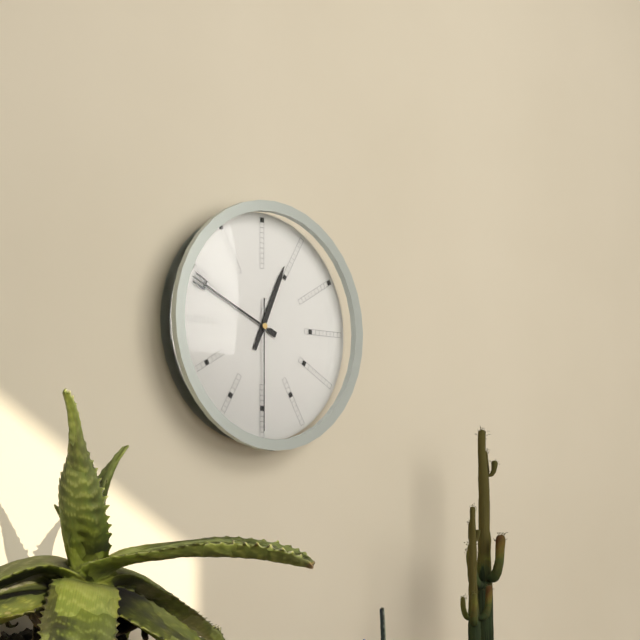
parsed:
12,49,30
